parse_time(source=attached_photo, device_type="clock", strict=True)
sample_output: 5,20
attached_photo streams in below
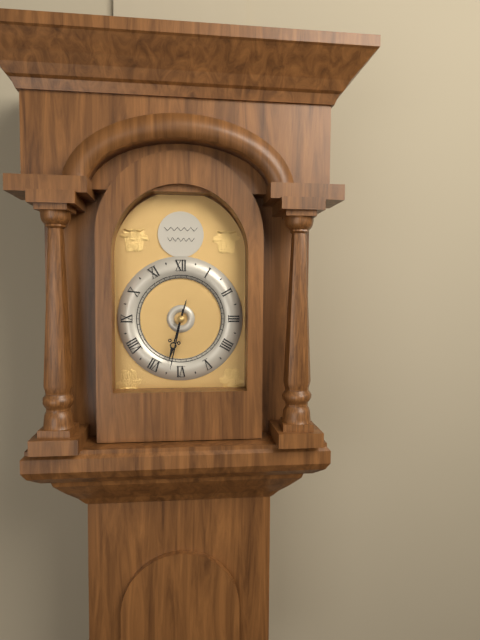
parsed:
6,32
